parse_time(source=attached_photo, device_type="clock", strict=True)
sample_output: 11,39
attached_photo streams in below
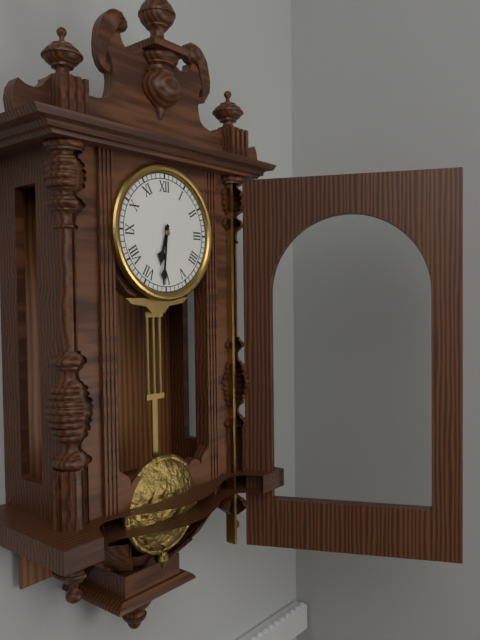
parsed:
6,31
